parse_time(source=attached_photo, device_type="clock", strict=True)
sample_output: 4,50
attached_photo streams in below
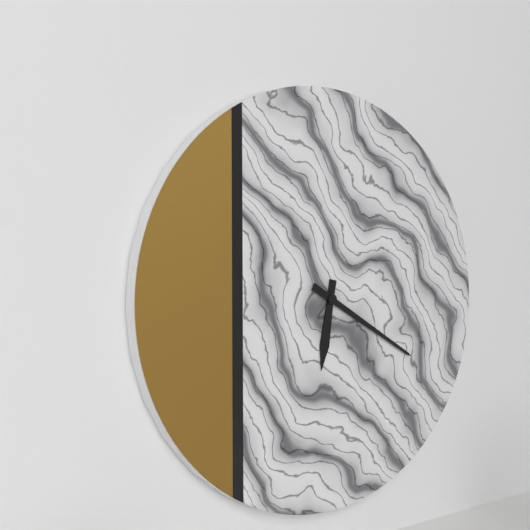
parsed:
6,20
